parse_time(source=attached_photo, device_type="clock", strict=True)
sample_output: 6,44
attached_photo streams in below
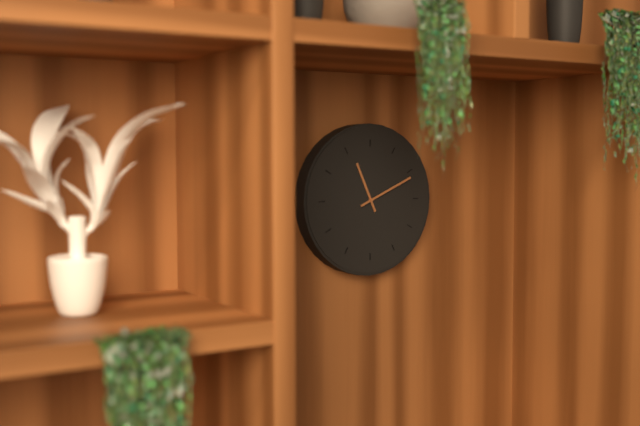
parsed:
11,11
